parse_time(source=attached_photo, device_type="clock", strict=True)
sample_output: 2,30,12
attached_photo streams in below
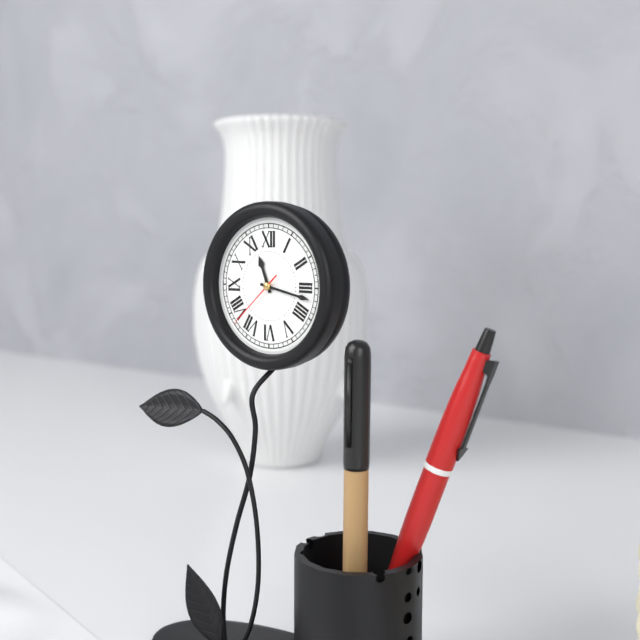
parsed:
11,17,38
